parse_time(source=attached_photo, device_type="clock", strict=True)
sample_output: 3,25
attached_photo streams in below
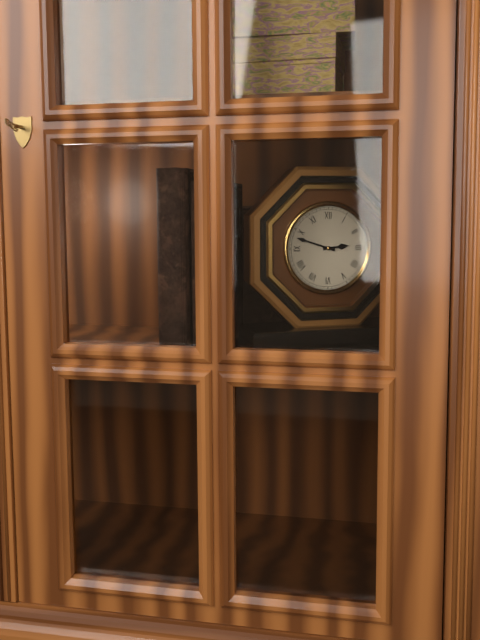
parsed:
2,48
